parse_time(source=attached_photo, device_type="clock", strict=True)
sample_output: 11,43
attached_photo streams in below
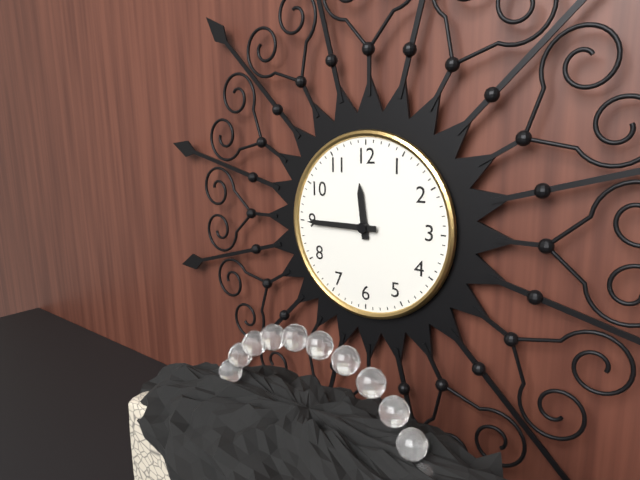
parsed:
11,45
